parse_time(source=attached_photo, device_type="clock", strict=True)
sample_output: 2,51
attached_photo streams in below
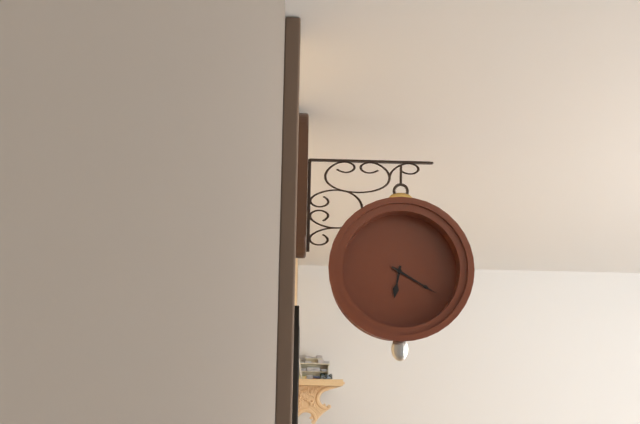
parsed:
6,20
